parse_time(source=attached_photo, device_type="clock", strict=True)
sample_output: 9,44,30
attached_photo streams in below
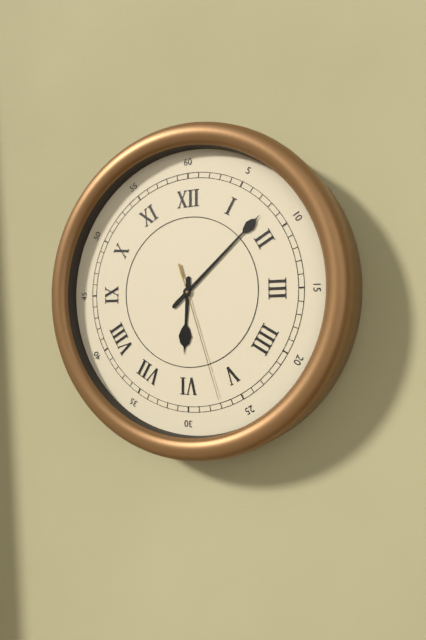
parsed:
6,08,27
